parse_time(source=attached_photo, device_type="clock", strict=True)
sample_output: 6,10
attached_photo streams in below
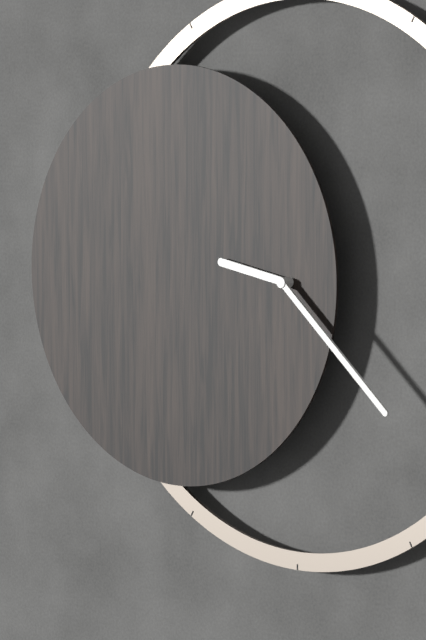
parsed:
9,22
